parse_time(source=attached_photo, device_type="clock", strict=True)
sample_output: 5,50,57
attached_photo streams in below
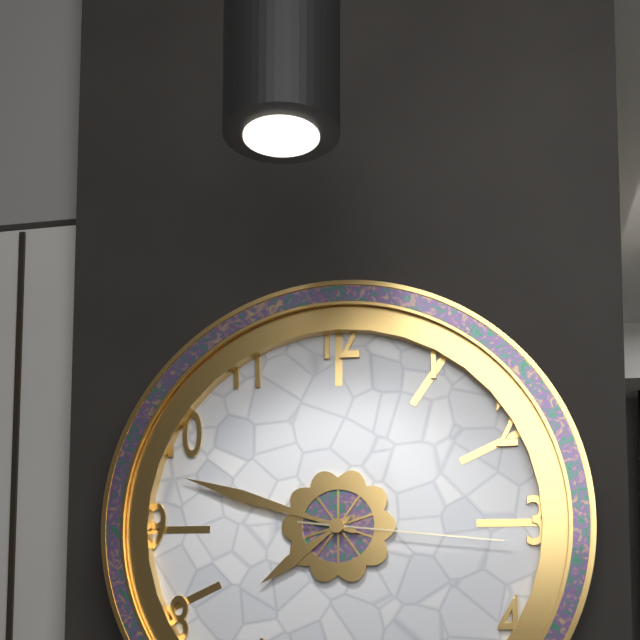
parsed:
7,48,16
